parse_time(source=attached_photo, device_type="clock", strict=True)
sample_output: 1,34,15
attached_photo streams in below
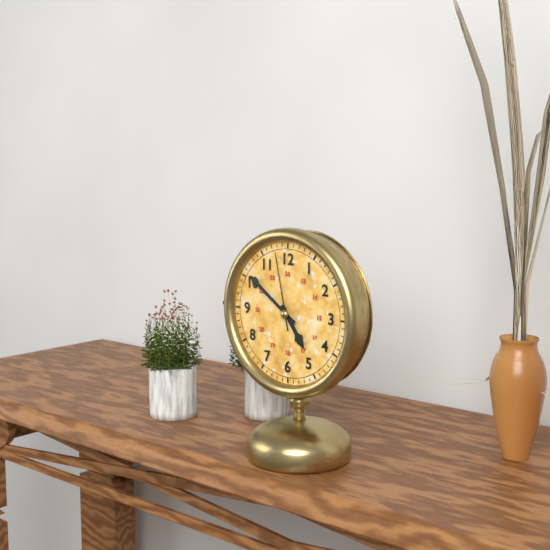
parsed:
4,51,58
